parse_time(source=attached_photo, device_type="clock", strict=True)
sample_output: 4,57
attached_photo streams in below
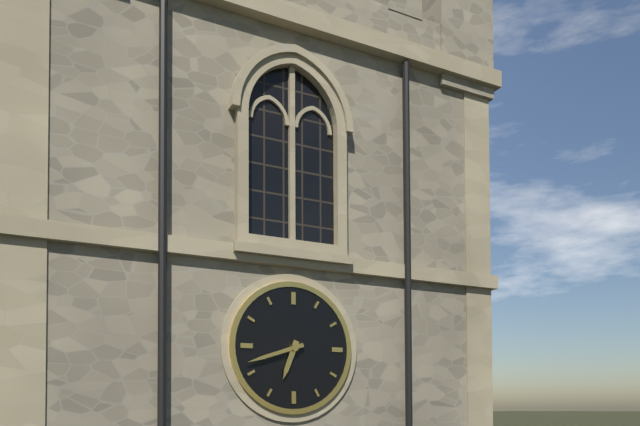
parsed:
6,42
